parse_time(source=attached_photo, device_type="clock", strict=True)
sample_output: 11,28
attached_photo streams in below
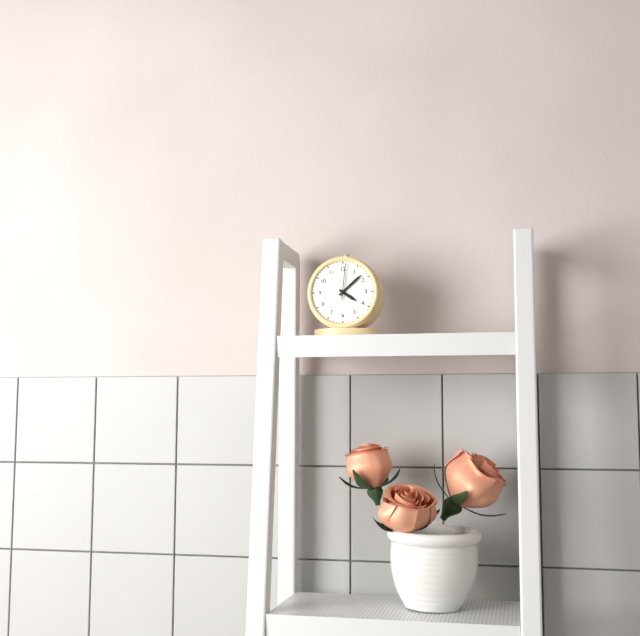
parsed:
4,08
